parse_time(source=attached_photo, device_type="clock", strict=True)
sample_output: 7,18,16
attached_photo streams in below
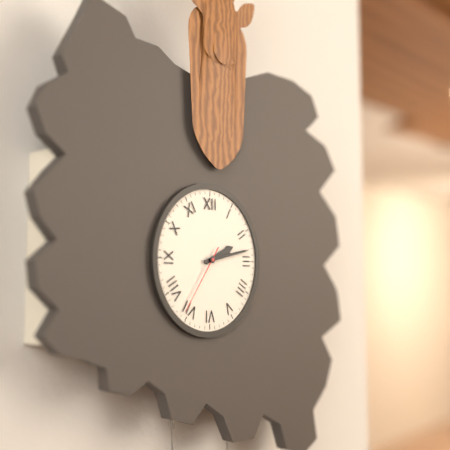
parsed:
2,13,36
